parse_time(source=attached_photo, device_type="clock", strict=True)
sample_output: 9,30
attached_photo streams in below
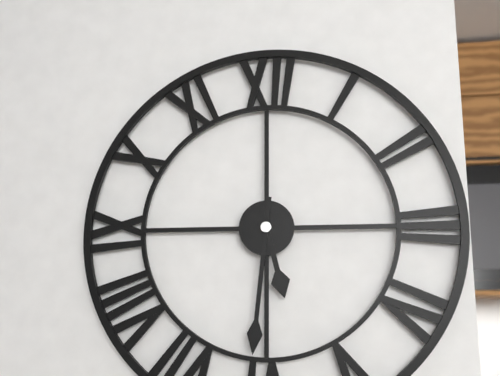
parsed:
5,31
